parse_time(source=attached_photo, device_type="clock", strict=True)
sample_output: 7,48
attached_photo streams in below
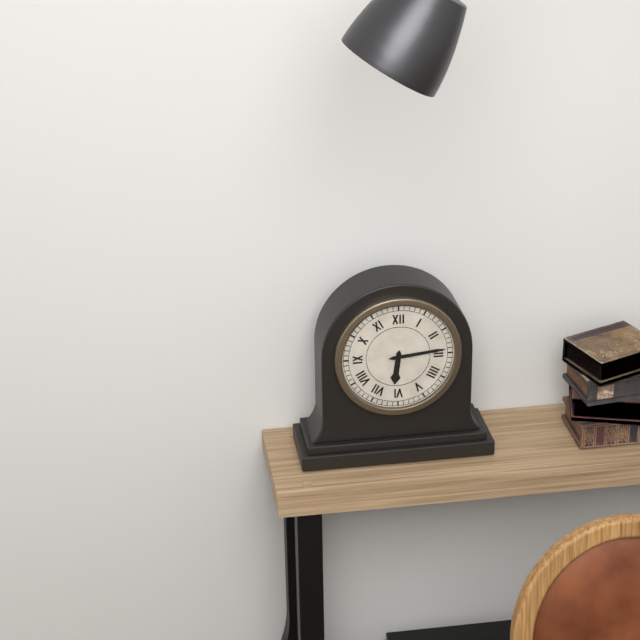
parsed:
6,14
